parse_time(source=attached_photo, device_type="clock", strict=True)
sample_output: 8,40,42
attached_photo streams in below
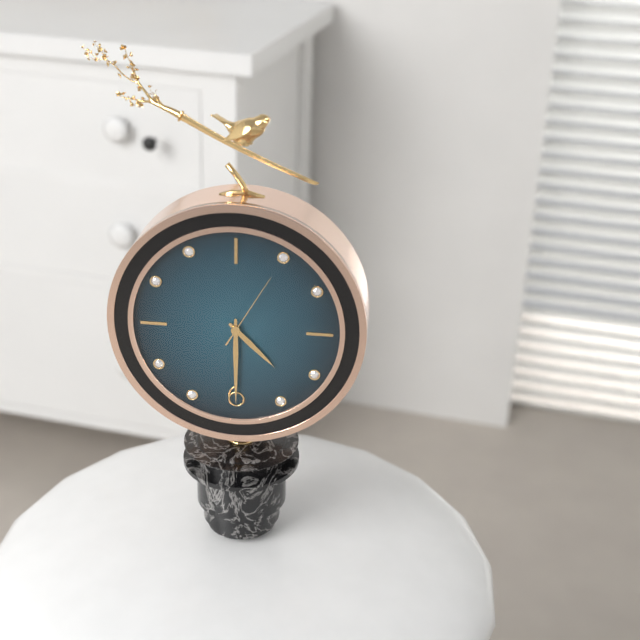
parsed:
4,30,05
